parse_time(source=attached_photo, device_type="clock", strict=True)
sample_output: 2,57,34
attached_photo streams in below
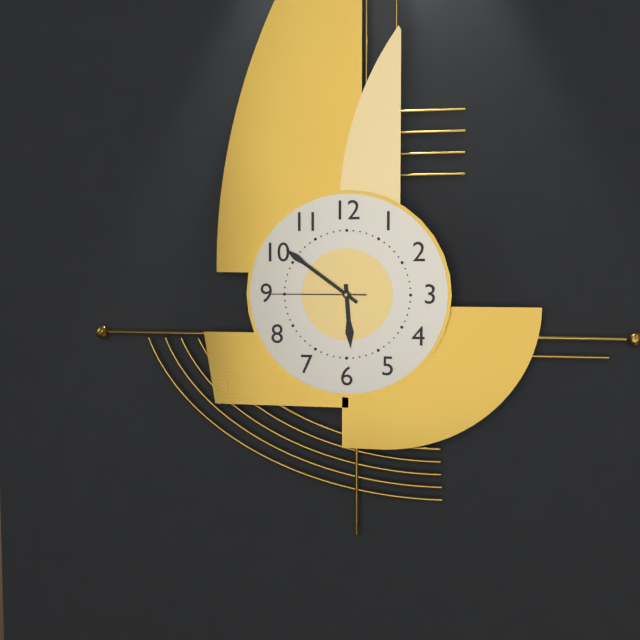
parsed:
5,51,45
